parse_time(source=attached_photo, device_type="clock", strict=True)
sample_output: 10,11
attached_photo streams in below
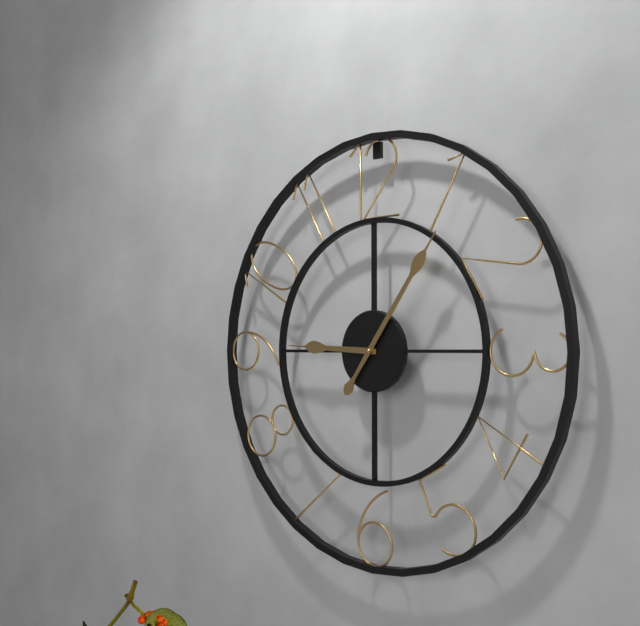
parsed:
9,06
